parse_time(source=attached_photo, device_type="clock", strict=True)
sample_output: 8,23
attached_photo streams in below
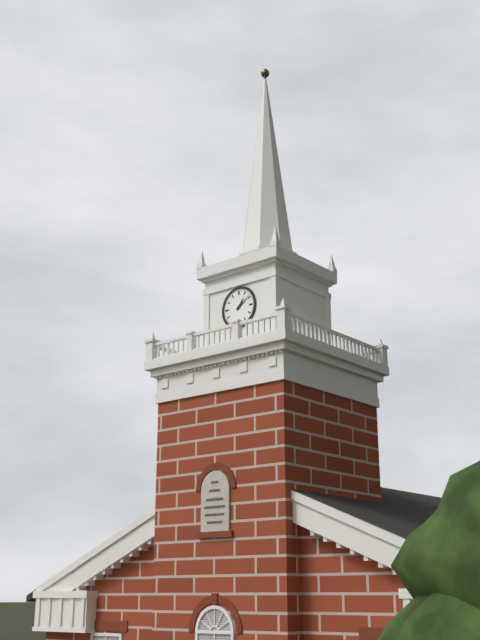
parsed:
1,09
